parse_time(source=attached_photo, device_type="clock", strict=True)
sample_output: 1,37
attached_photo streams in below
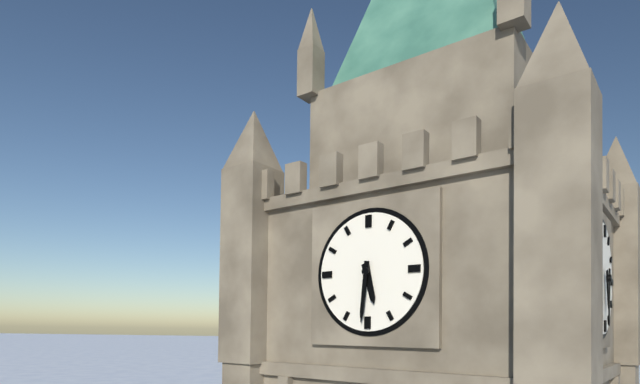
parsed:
5,31
